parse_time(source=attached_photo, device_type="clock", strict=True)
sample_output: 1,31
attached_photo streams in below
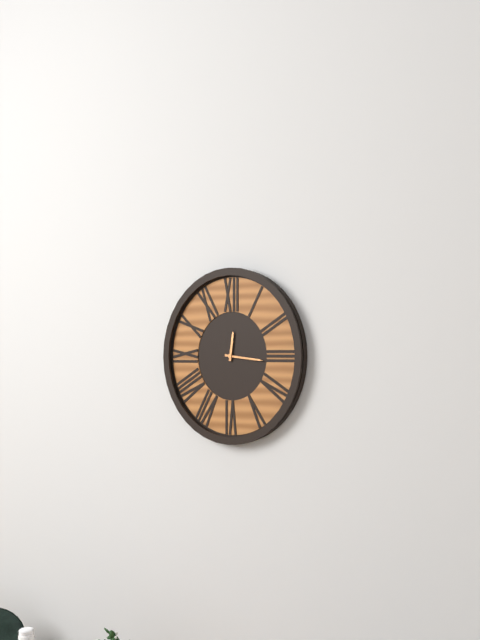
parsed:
12,16
